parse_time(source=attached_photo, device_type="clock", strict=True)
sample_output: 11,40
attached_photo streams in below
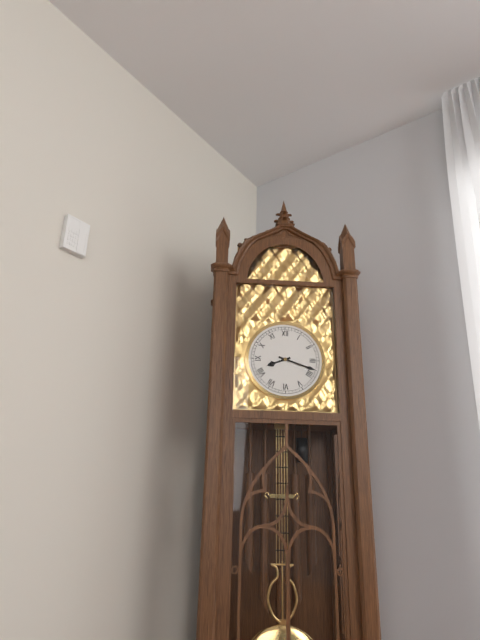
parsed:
8,18
